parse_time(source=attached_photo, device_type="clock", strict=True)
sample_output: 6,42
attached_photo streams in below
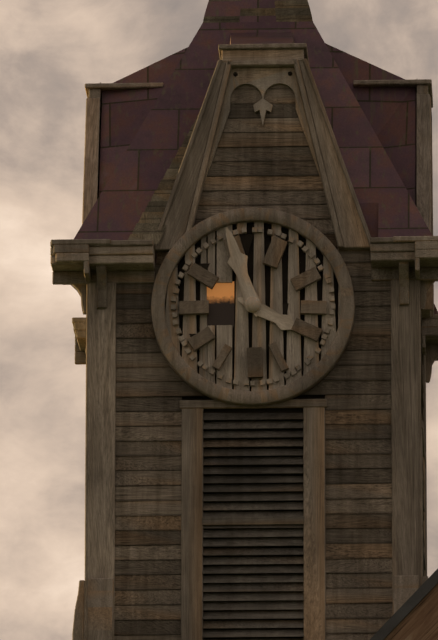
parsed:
3,57
